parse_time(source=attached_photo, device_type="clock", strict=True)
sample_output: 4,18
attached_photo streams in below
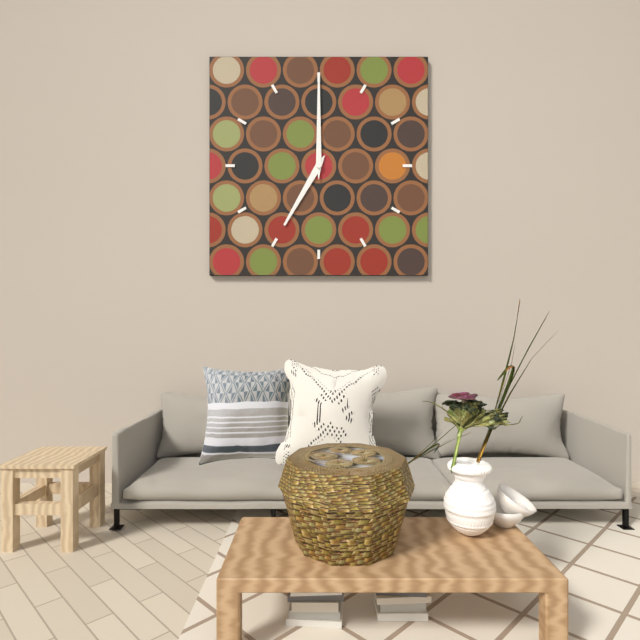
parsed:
7,00
